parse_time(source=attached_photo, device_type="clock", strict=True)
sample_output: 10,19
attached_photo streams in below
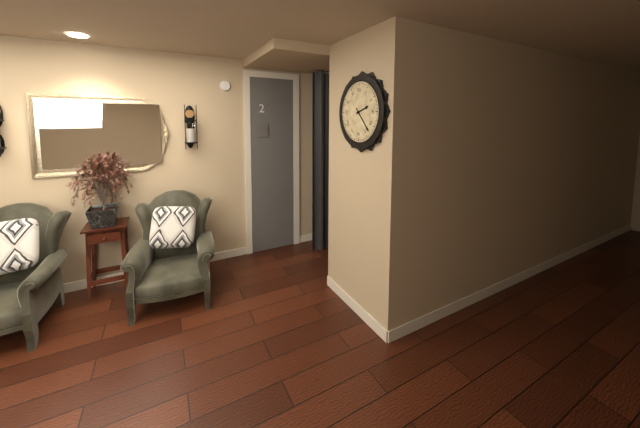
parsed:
2,23
